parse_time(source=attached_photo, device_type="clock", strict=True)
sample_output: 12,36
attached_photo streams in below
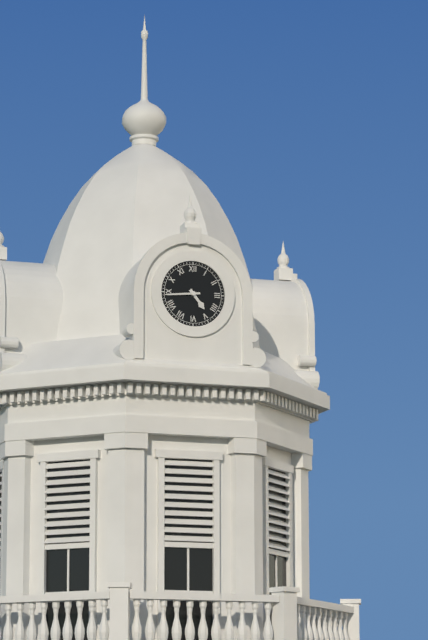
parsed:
4,44
